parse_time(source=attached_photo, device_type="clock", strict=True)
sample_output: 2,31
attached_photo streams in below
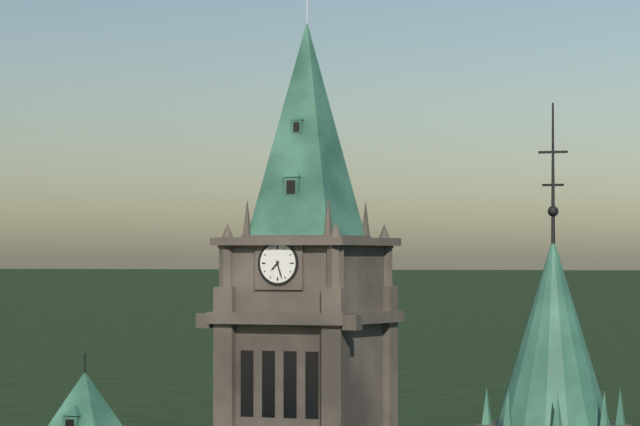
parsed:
7,27
